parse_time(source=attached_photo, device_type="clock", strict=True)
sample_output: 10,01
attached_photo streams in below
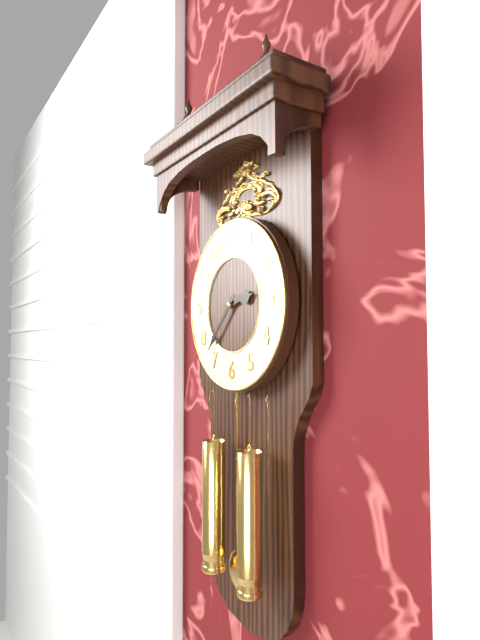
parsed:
2,37
